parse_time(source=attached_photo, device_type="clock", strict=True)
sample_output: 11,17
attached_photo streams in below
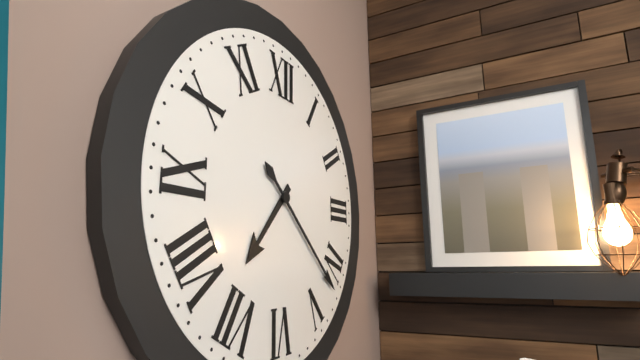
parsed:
7,22
